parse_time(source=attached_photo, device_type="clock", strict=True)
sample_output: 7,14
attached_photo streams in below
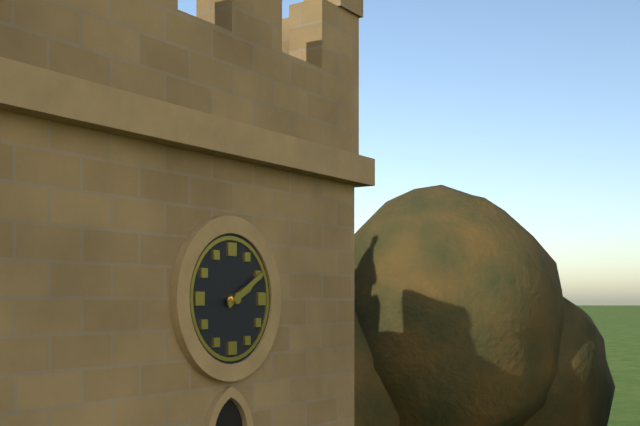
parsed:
2,10
